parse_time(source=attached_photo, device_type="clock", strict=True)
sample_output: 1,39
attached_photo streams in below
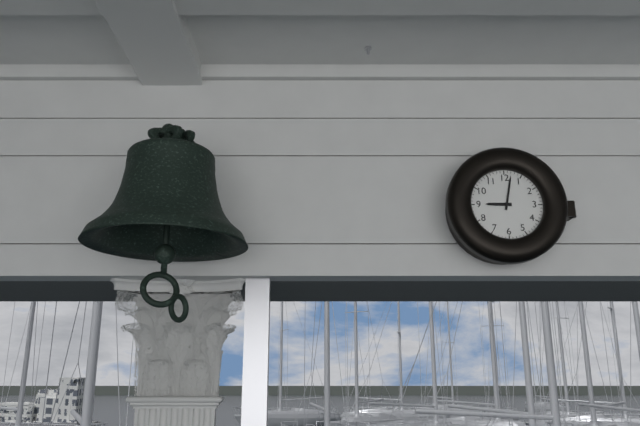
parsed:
9,02
